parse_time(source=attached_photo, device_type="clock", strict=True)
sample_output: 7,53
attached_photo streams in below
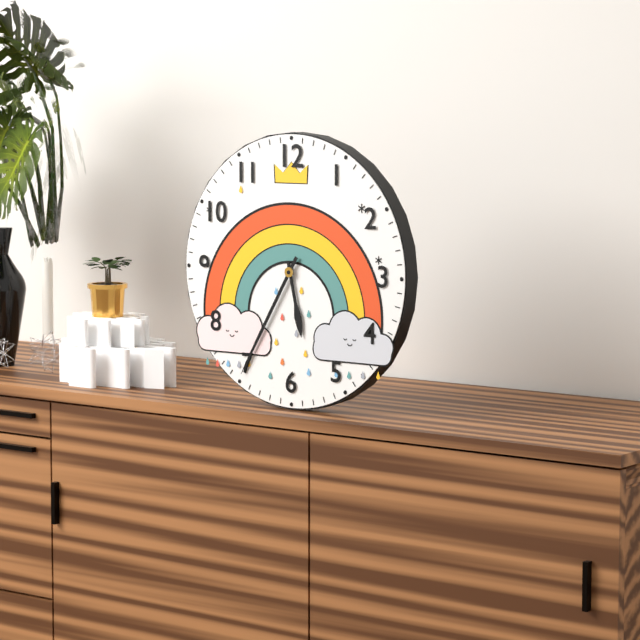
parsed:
5,35
